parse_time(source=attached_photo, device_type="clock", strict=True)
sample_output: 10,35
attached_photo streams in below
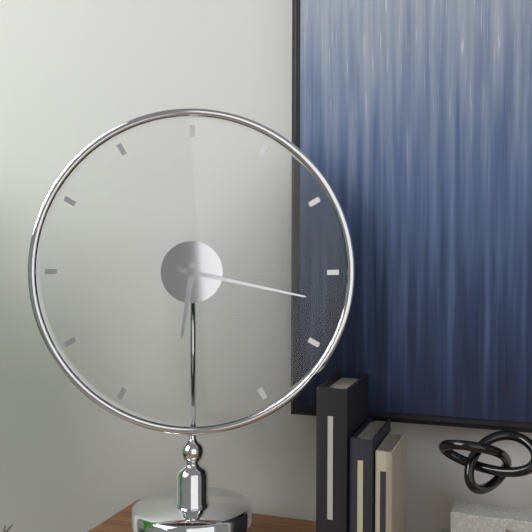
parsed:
6,17
